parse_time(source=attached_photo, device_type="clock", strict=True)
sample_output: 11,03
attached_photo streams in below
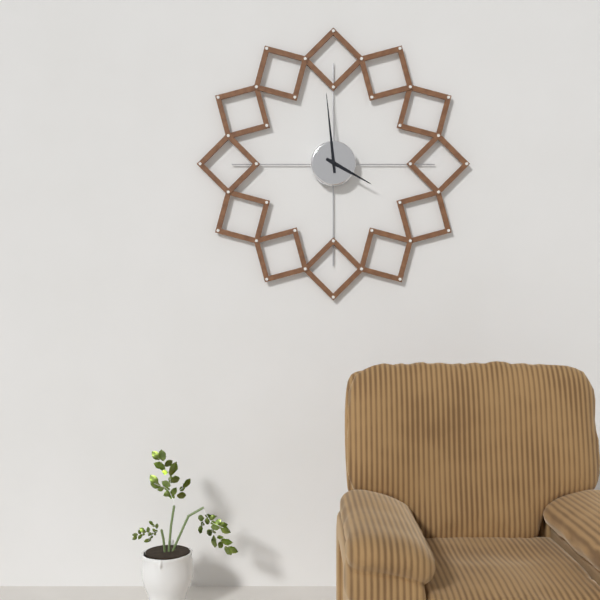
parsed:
3,59
